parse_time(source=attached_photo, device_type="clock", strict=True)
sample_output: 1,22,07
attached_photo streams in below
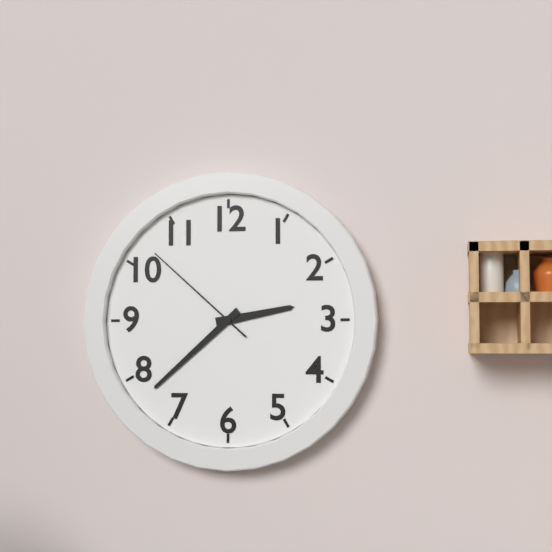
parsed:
2,38,52
